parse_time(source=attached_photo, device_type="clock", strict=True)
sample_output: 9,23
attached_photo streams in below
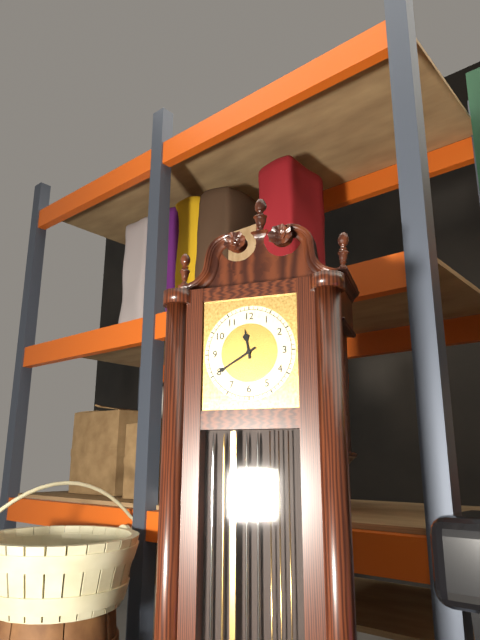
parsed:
11,40
